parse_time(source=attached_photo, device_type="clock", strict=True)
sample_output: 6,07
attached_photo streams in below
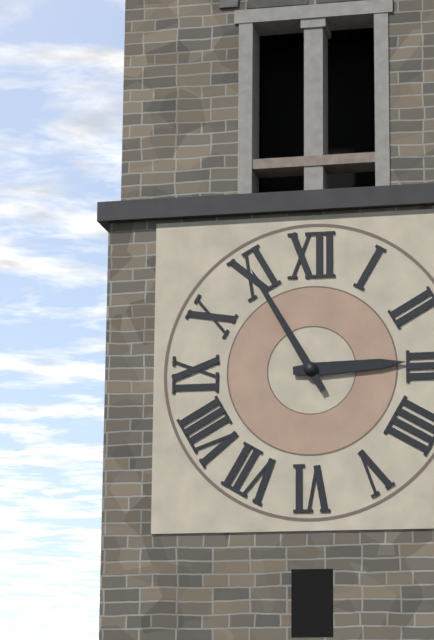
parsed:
2,55
